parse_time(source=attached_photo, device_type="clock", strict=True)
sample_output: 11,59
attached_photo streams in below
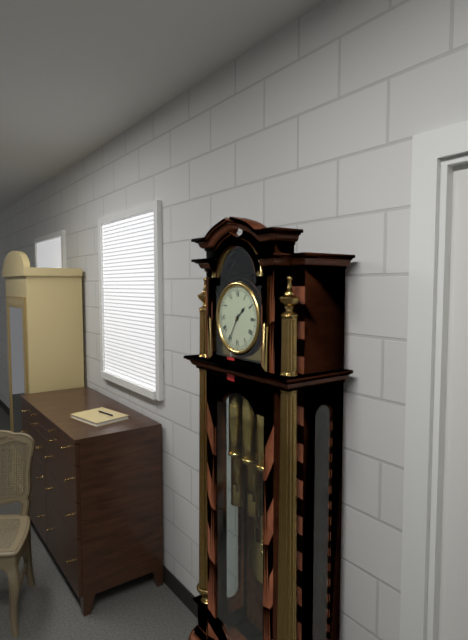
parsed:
1,35
